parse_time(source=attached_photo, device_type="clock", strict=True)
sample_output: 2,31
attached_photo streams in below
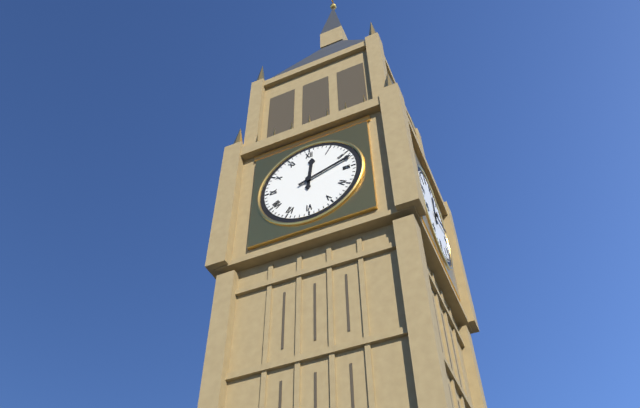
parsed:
12,12
